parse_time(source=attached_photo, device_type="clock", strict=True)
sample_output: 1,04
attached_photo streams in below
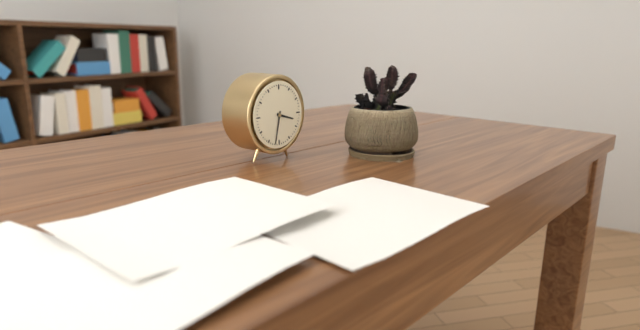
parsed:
3,32
